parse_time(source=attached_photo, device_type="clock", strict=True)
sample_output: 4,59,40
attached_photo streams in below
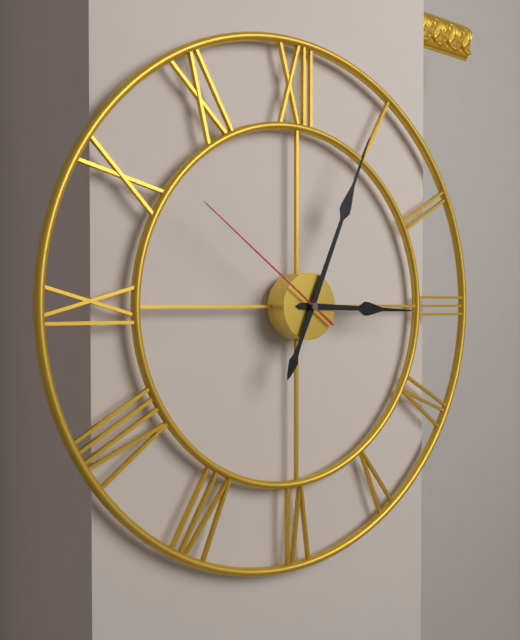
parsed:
3,04,51
